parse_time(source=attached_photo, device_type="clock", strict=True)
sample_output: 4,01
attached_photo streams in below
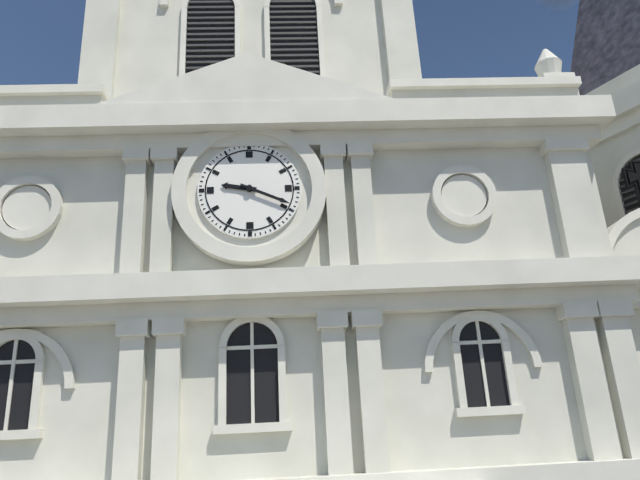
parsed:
9,19
